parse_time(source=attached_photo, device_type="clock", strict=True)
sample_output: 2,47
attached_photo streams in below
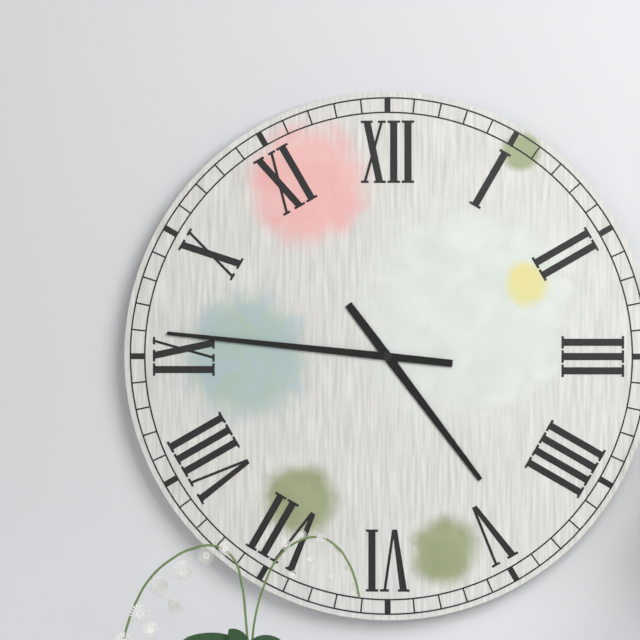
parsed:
4,46
